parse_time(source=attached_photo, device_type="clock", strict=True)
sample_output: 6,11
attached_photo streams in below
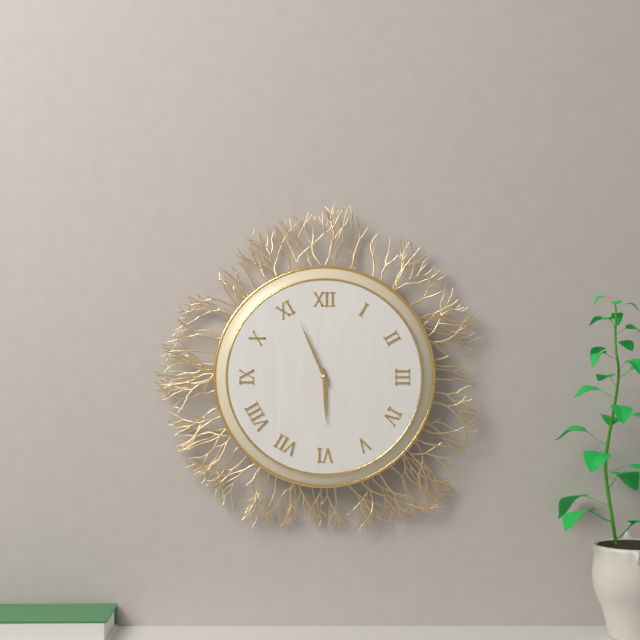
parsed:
5,56
